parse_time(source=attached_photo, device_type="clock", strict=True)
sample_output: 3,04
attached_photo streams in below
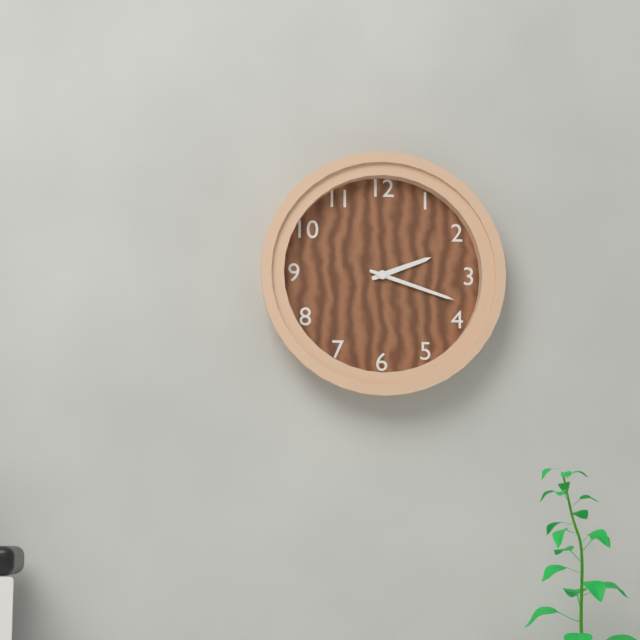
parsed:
2,18
